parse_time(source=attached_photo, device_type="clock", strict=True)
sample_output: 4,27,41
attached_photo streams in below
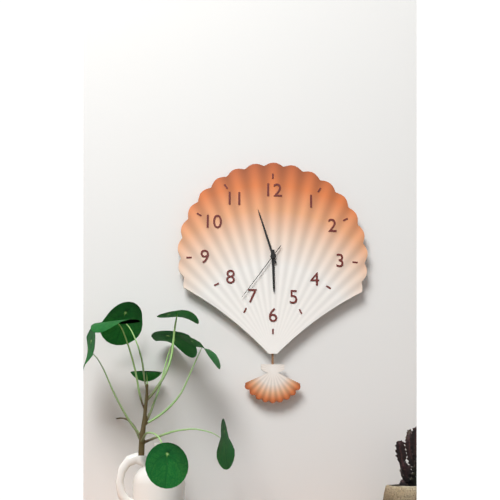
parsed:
5,57,36
